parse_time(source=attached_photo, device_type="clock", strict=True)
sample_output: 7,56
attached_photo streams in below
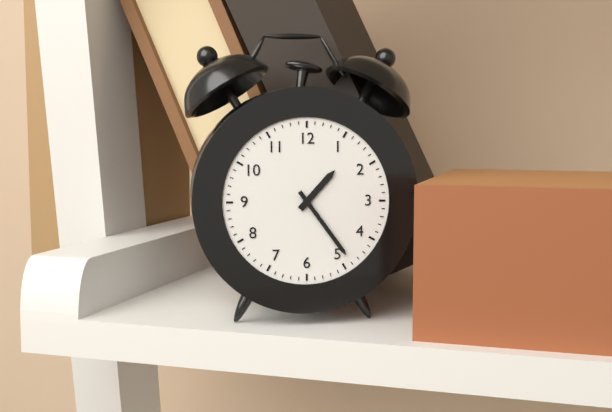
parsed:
1,24
